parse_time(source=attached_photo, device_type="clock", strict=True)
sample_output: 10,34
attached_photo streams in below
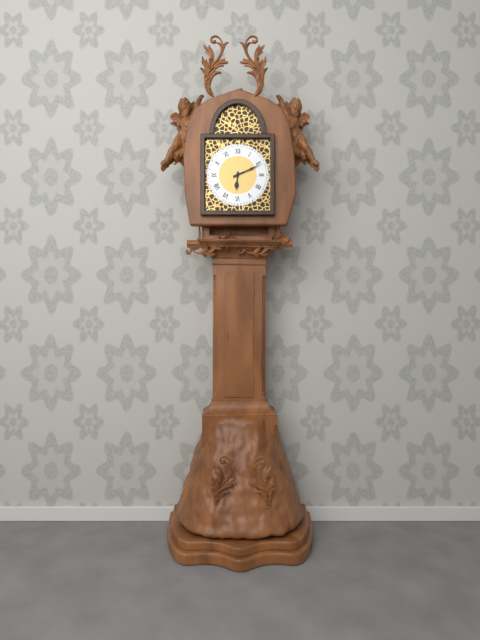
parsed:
6,11
